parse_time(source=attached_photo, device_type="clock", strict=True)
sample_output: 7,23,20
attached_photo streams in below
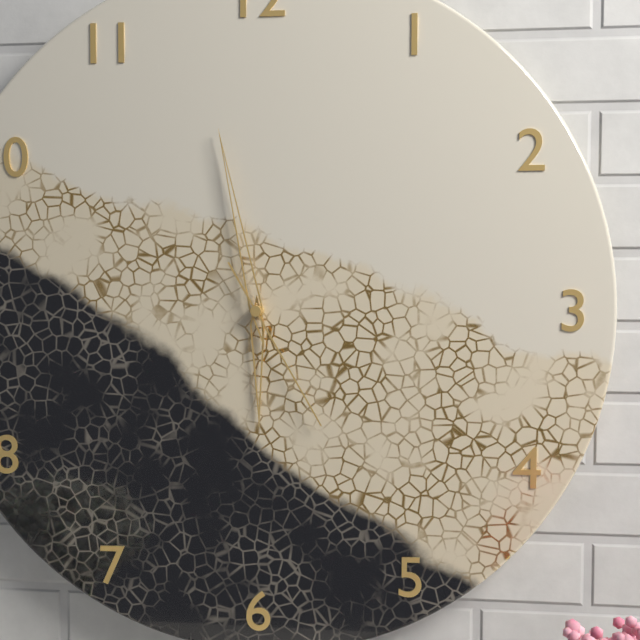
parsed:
5,58,25
